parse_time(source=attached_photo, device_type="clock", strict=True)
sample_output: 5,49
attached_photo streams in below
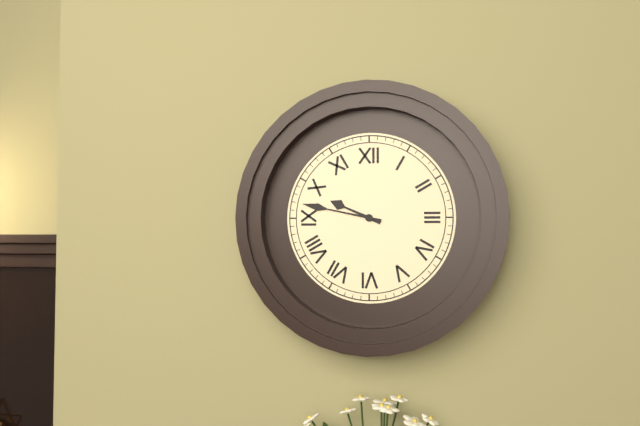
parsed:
9,47
